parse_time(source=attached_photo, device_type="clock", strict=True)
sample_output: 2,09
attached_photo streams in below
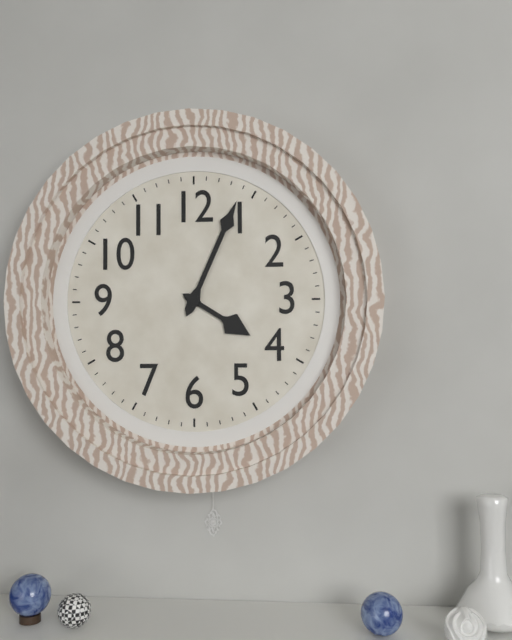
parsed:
4,04
